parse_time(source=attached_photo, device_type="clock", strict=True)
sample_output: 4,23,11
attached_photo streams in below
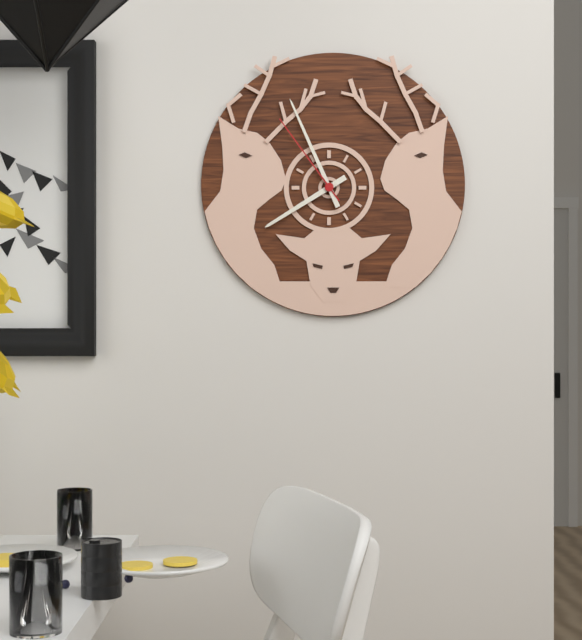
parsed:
7,56,54
